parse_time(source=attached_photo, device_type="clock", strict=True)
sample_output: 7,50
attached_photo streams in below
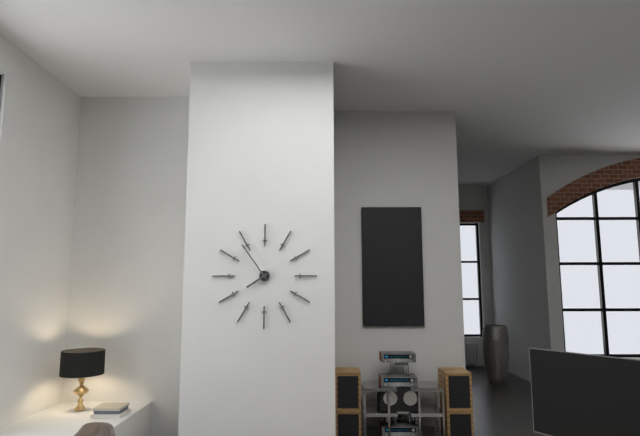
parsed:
7,54
